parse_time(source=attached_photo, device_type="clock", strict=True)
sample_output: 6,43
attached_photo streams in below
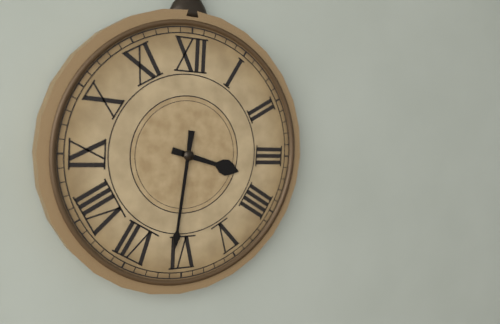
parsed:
3,31
